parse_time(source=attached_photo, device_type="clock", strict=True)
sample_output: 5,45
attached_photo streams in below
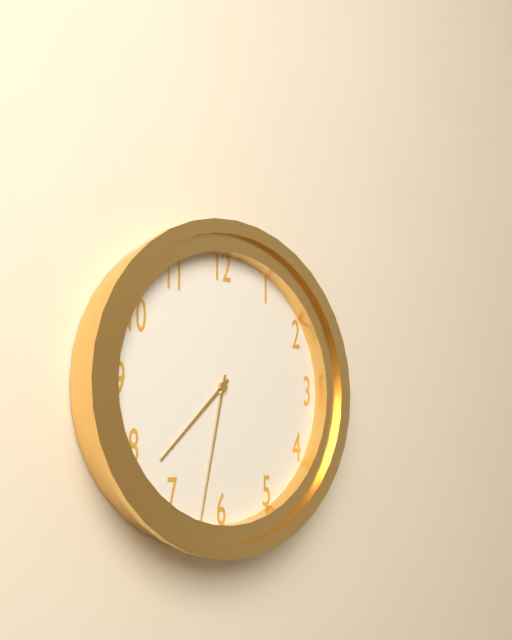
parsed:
7,32
